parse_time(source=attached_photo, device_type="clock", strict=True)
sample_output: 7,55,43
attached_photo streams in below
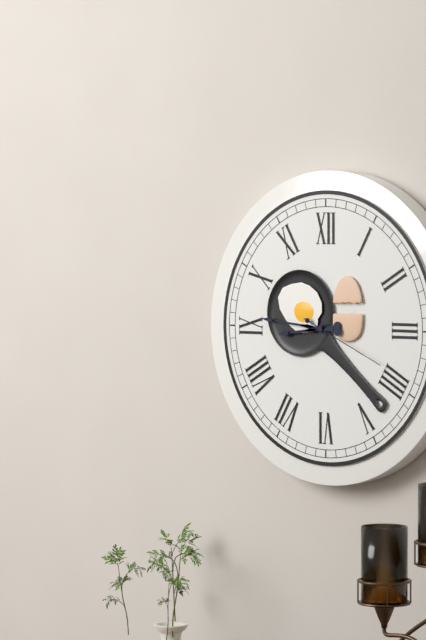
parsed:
8,46,19
